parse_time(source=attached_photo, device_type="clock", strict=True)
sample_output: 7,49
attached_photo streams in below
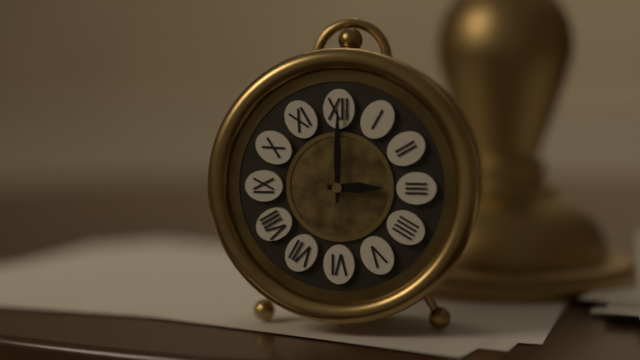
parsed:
3,00
